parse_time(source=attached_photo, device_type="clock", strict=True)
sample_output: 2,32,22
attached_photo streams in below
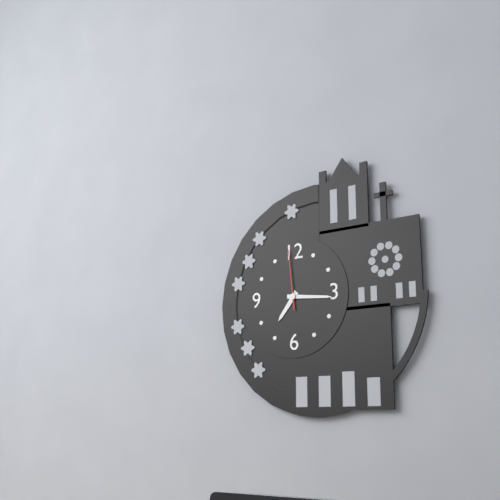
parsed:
7,16,59
